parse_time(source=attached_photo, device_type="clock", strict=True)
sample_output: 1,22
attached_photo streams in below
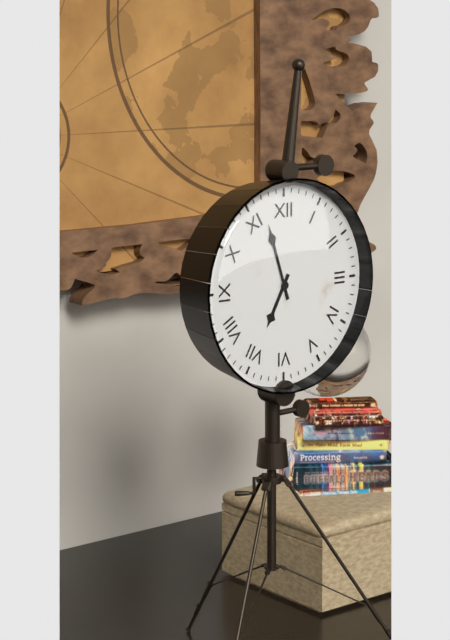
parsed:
6,57
